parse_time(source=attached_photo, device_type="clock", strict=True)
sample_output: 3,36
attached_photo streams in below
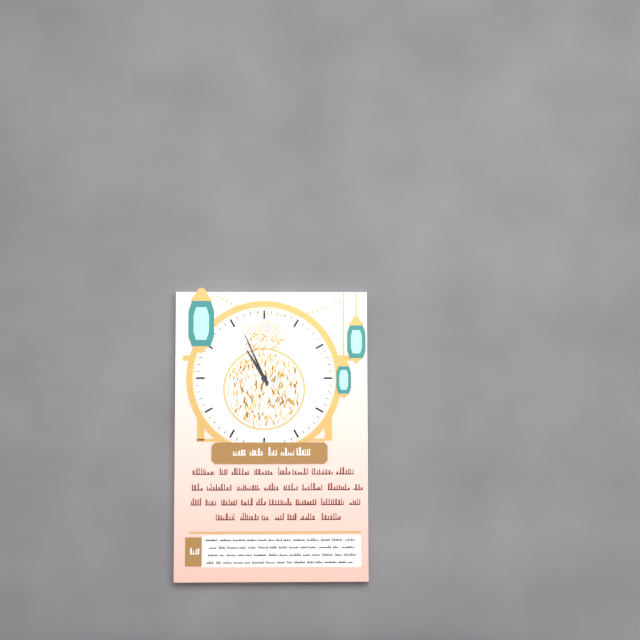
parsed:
10,56
